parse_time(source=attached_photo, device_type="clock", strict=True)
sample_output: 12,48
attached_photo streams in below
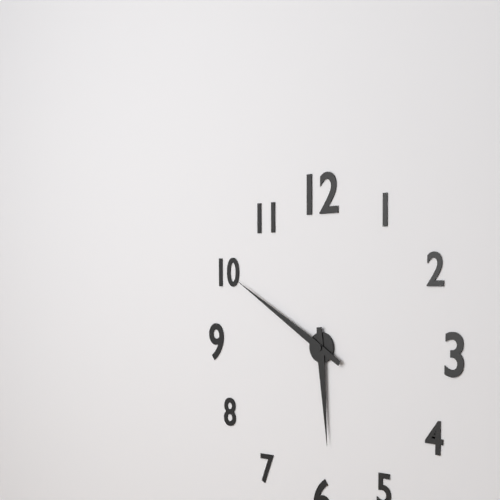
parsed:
5,50
